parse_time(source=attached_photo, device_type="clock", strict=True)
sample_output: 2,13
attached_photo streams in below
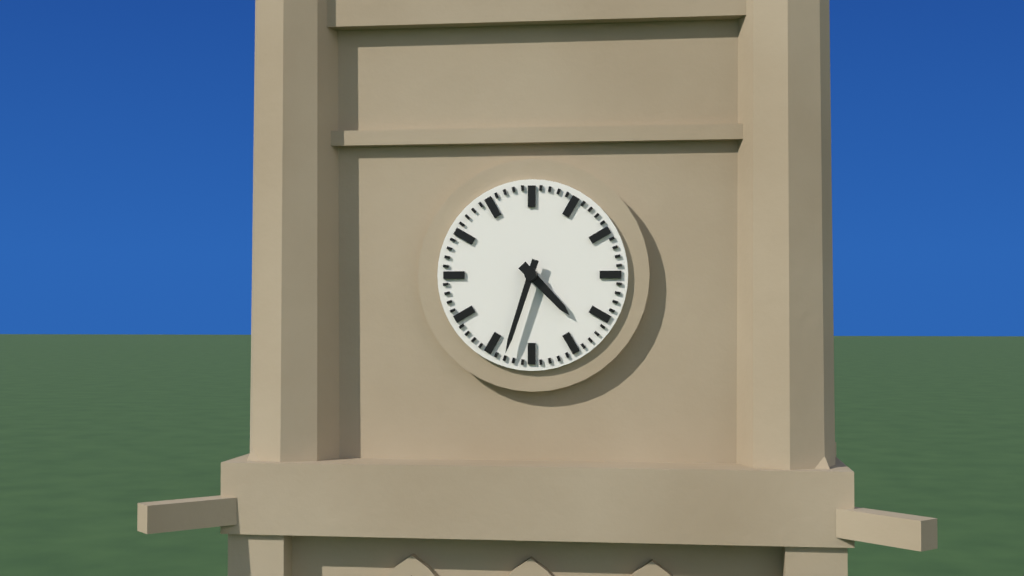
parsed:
4,33
